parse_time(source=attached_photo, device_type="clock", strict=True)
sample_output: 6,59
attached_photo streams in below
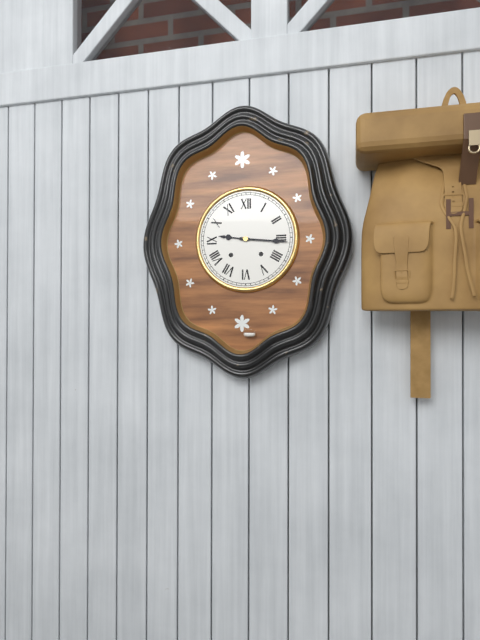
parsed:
9,16
